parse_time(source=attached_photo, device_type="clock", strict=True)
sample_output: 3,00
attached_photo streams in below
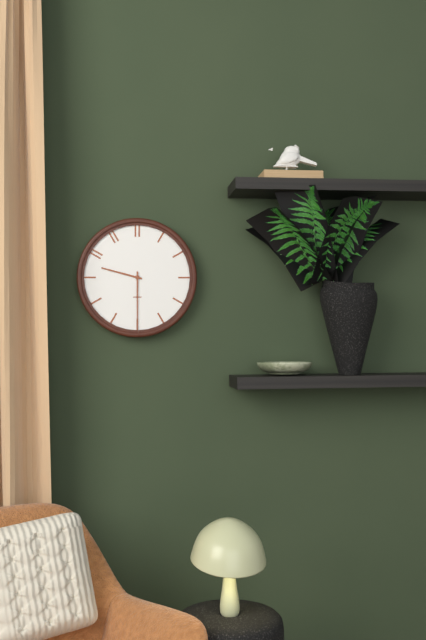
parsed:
9,30
